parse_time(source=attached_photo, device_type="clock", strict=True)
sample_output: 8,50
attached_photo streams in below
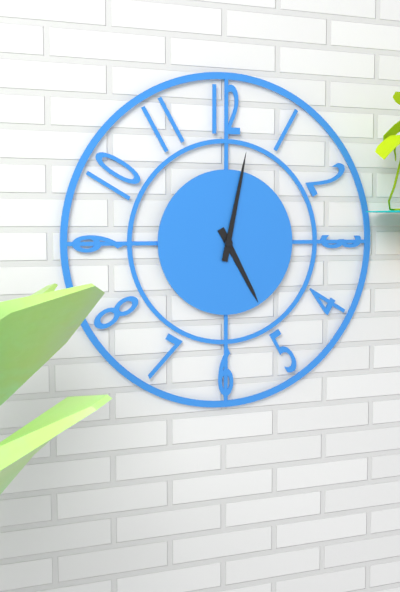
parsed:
5,02
